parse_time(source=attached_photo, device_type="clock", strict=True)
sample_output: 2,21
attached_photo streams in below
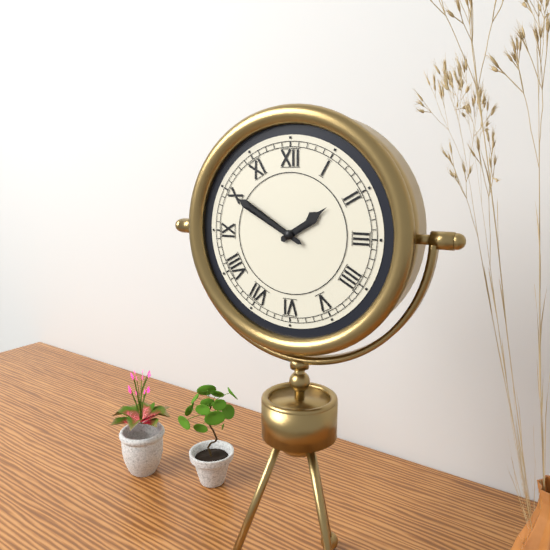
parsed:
1,50
